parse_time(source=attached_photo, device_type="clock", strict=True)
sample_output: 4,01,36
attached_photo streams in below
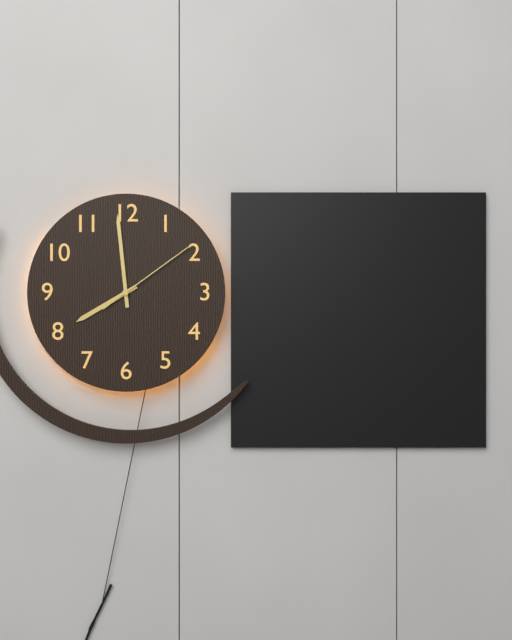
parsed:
7,59,09
